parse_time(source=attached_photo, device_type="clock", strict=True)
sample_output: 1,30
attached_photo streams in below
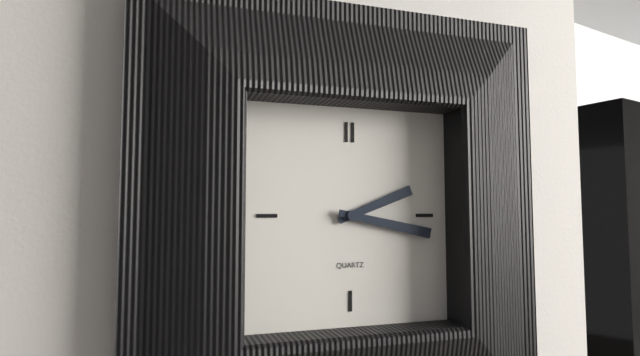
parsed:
2,17
